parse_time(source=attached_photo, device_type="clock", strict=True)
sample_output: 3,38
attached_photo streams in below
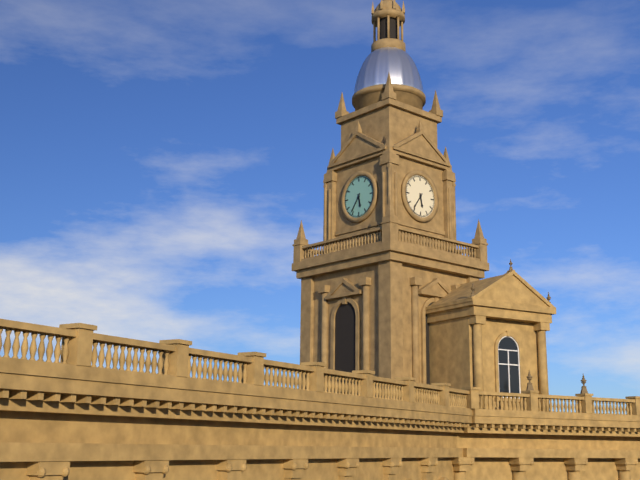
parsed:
5,36
